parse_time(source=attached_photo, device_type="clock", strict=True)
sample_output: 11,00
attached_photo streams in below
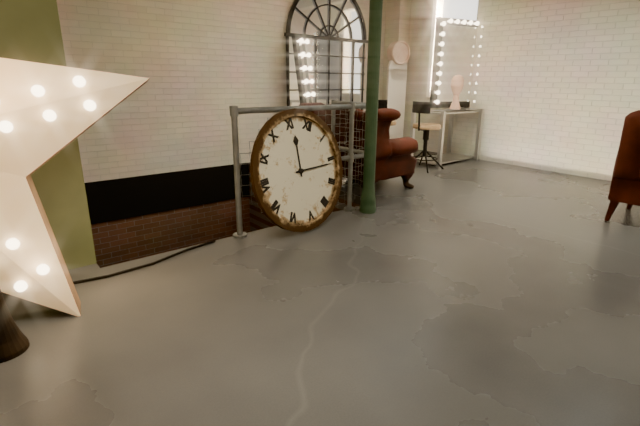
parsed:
11,11
